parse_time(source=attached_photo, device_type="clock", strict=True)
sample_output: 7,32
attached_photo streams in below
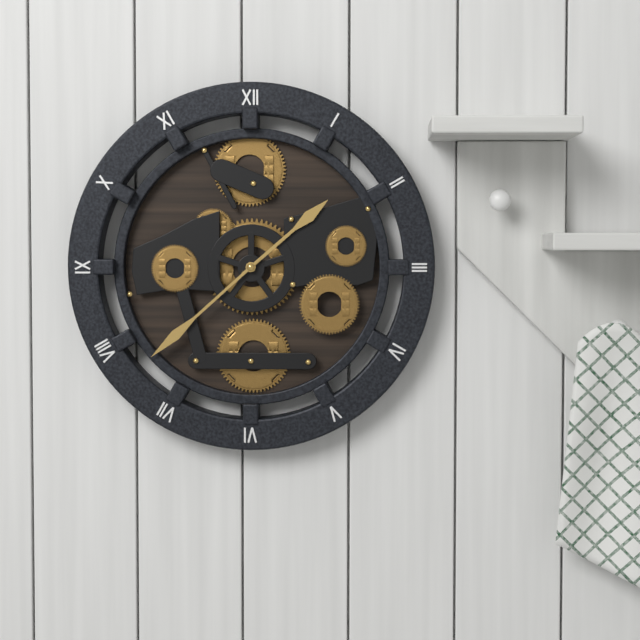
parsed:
1,38
